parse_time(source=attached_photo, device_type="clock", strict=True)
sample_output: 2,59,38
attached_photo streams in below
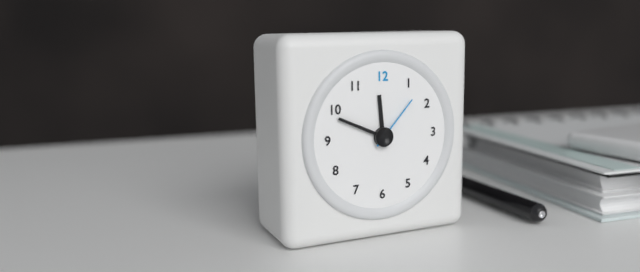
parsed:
11,49,07
